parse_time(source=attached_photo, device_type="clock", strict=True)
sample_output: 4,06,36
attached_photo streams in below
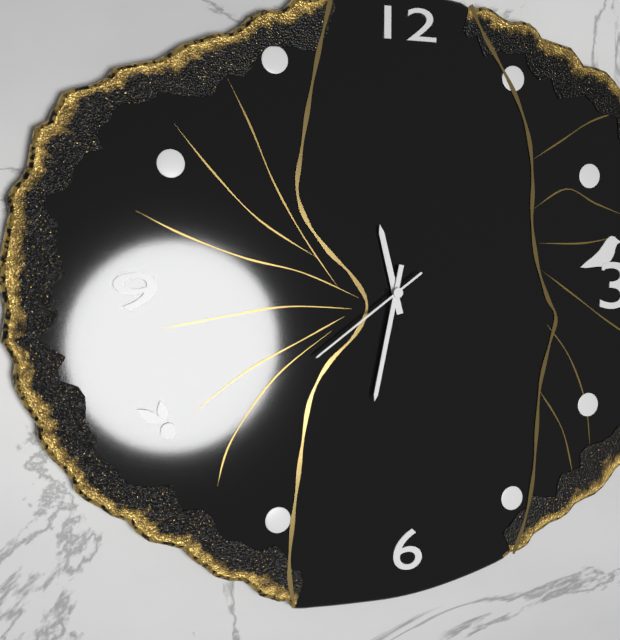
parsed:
11,32,39
